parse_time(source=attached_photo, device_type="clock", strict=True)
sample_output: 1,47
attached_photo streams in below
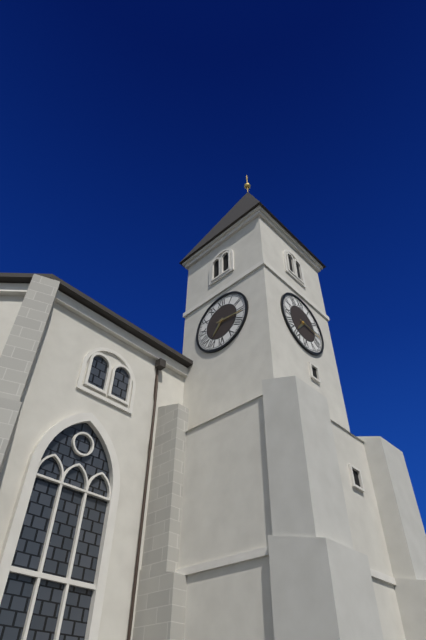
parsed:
7,16
